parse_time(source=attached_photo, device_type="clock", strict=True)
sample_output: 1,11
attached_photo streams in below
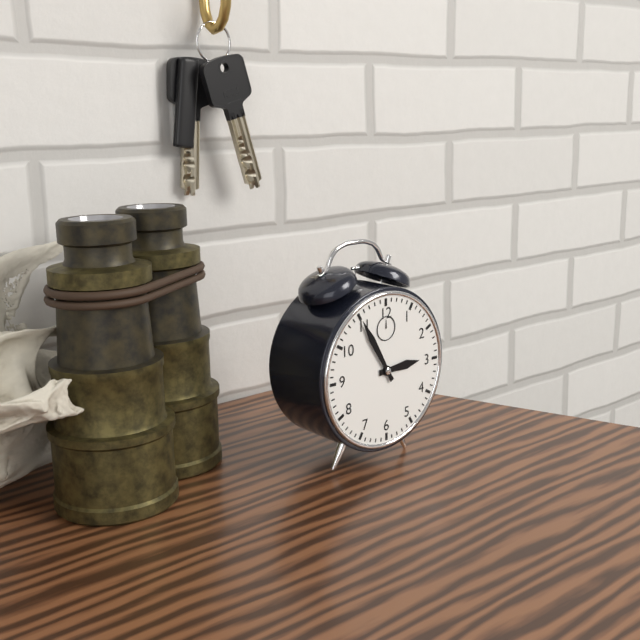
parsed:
2,55
